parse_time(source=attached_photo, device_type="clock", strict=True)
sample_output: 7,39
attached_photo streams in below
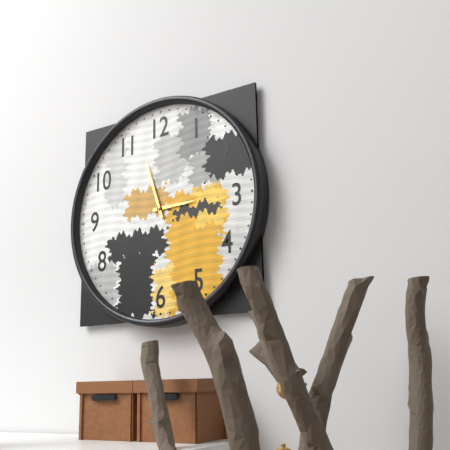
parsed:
2,57
